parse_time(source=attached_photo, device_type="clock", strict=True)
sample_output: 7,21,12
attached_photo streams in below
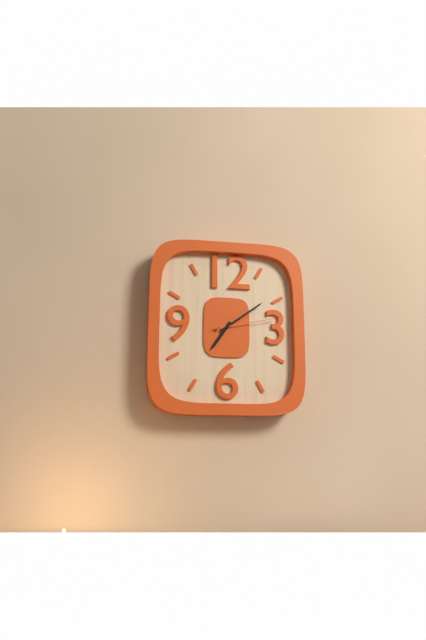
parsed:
7,09,13
